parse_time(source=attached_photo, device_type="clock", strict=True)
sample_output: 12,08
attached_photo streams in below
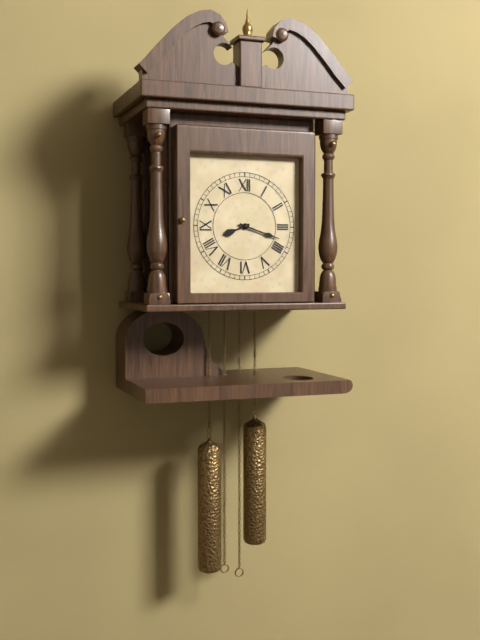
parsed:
8,18
